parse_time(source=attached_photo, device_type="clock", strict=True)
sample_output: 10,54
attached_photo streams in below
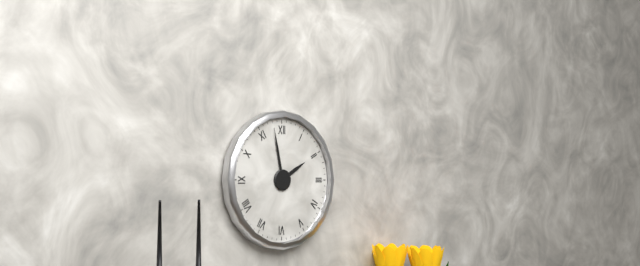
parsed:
1,58
